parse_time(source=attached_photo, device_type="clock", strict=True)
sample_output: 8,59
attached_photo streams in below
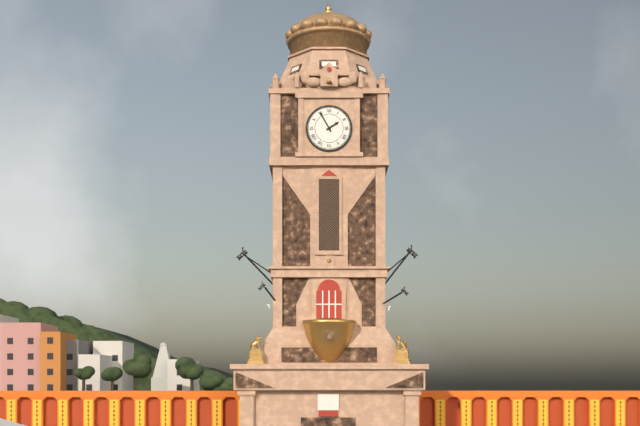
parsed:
1,55
